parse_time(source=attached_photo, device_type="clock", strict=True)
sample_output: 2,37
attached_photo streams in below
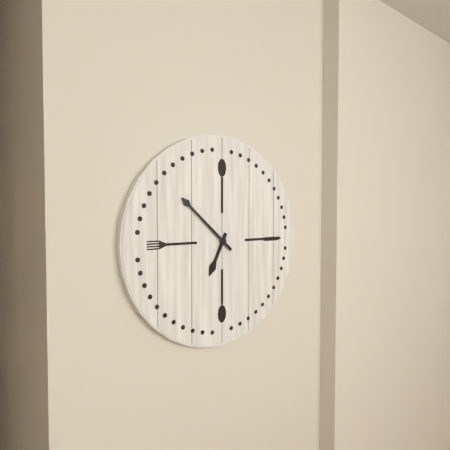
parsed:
6,52
